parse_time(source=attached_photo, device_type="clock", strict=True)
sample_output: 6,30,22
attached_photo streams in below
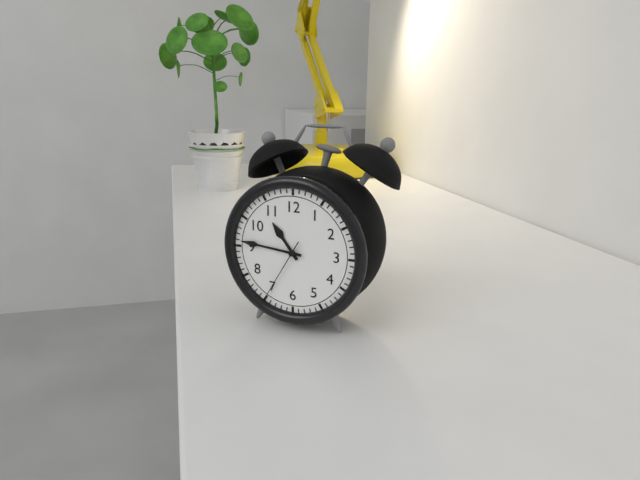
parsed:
10,46,35
